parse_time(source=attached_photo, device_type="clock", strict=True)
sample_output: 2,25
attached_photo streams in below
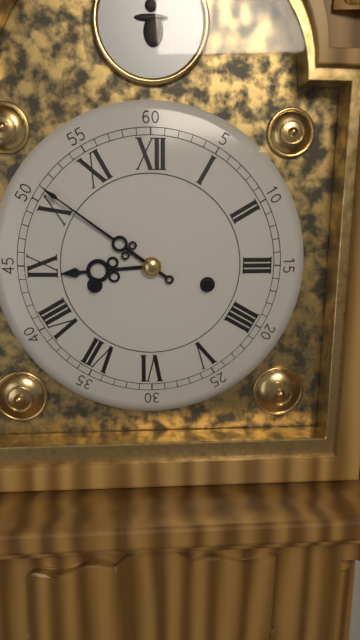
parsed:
8,51
